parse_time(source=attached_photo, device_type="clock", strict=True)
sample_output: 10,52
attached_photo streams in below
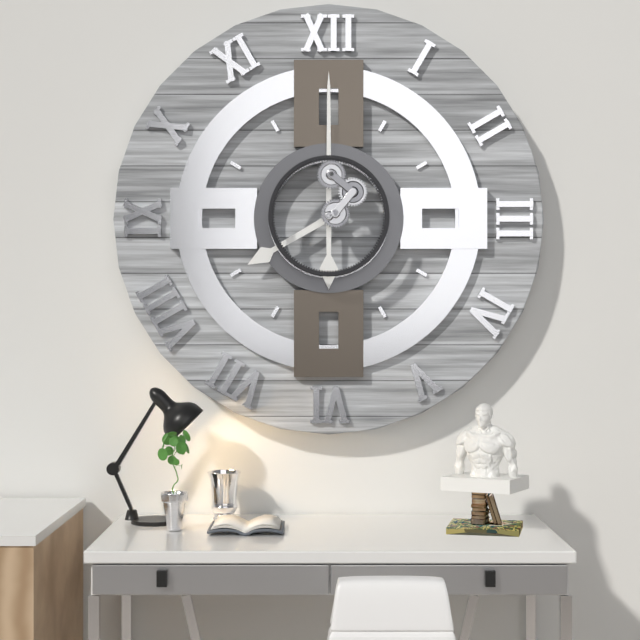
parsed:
8,00
